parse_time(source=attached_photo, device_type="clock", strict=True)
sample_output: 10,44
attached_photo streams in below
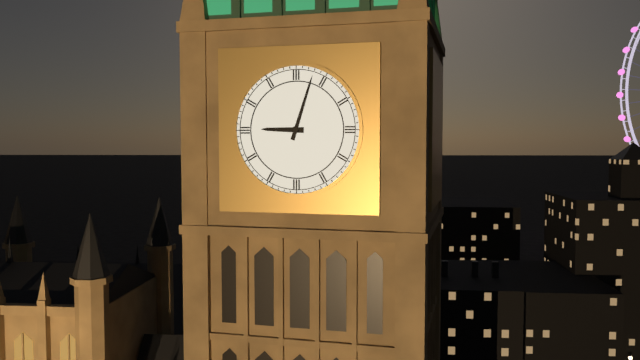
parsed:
9,03
